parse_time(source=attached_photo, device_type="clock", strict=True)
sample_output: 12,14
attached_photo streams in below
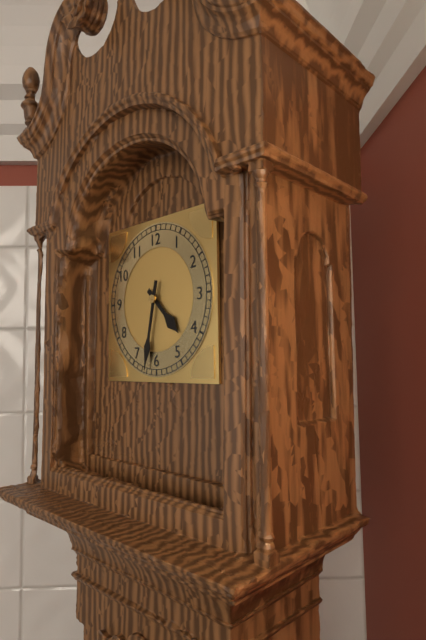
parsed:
4,32
